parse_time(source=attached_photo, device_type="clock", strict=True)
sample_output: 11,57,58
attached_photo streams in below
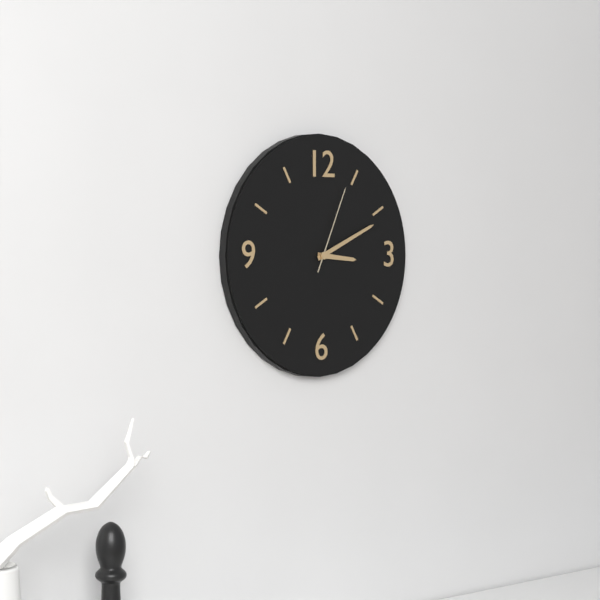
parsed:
3,11,04
